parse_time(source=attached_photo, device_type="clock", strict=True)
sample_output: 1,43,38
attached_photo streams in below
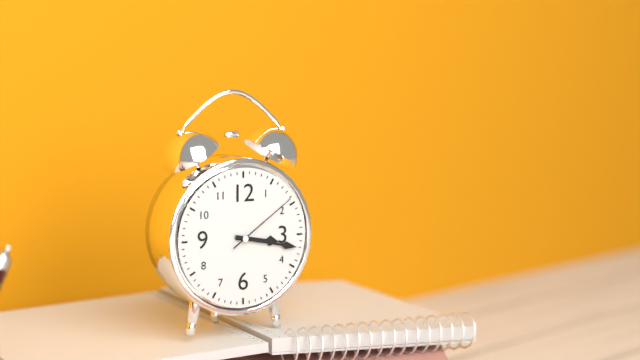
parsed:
3,17,09
